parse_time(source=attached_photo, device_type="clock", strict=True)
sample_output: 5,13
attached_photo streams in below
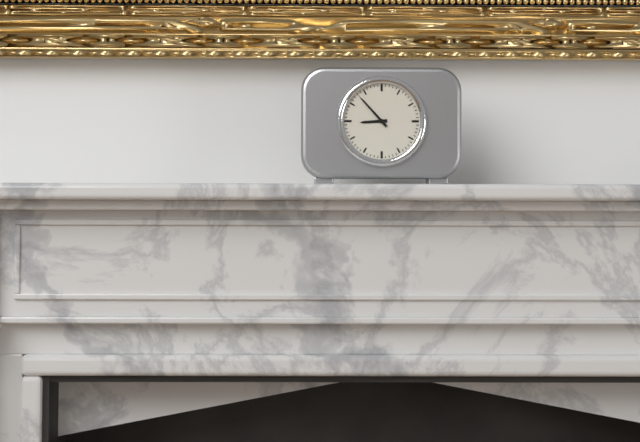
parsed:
8,53
